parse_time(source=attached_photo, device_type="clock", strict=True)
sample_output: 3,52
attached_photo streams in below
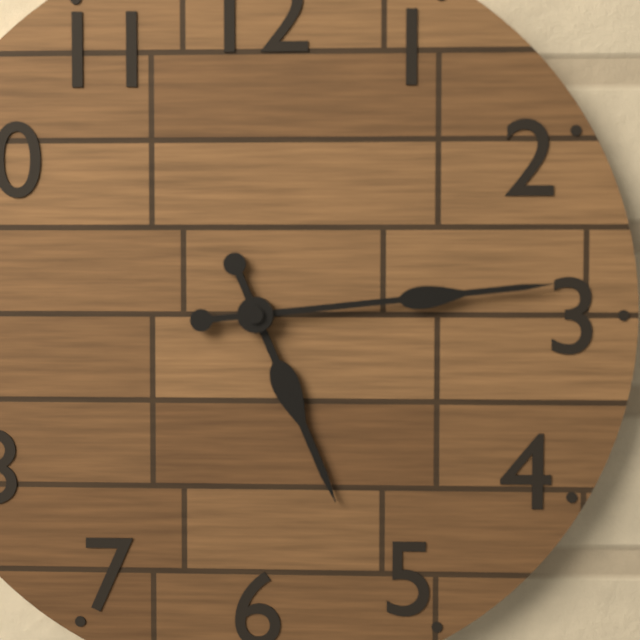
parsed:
5,14
